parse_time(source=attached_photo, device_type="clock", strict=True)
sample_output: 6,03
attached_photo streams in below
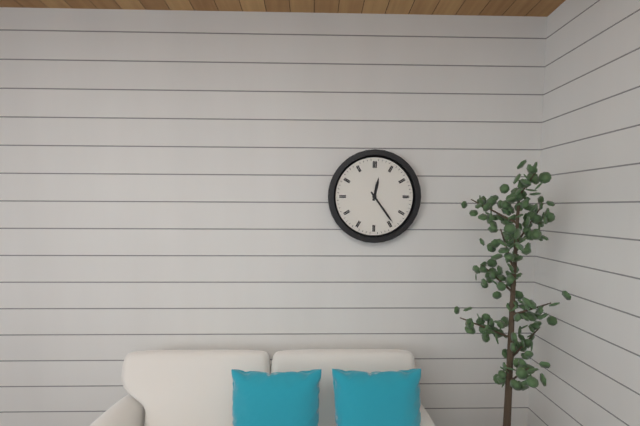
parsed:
12,24
